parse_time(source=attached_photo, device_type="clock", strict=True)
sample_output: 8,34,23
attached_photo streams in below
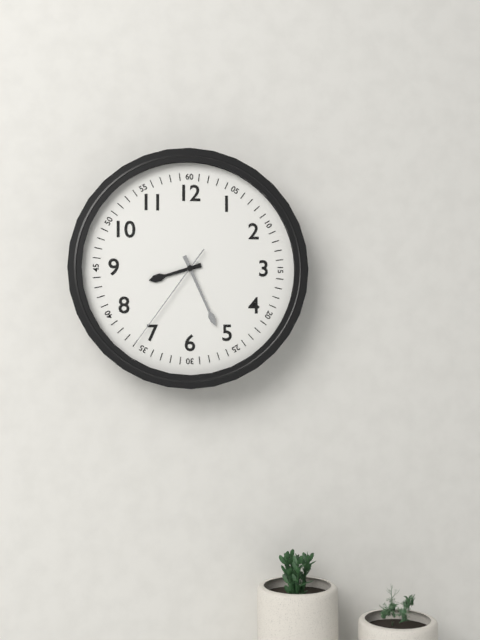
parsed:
8,26,36
